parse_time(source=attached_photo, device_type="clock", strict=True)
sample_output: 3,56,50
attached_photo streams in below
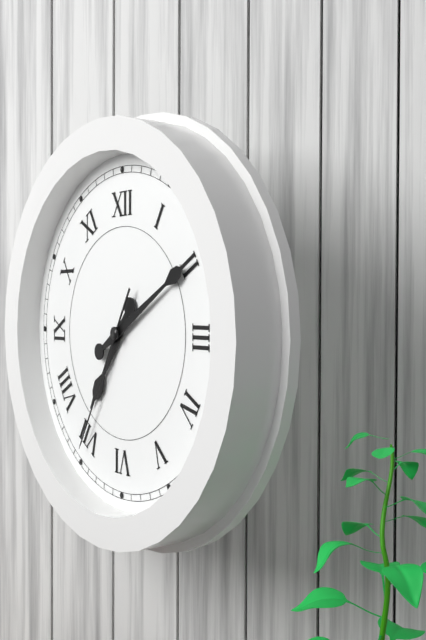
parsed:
7,10,35
